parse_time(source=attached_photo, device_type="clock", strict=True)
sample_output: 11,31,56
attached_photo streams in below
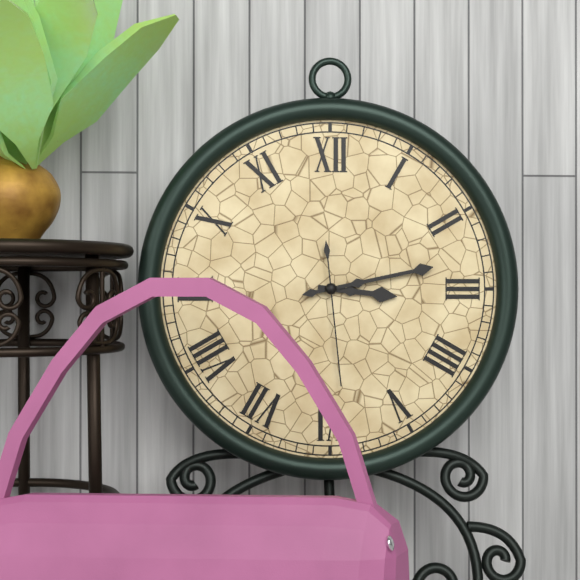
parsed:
3,13,29
